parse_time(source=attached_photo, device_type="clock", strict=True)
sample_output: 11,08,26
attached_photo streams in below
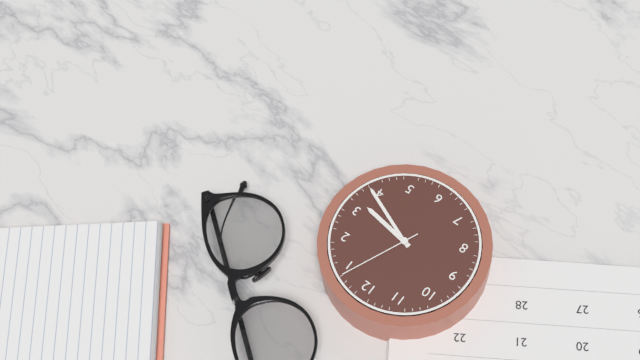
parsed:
3,19,04
